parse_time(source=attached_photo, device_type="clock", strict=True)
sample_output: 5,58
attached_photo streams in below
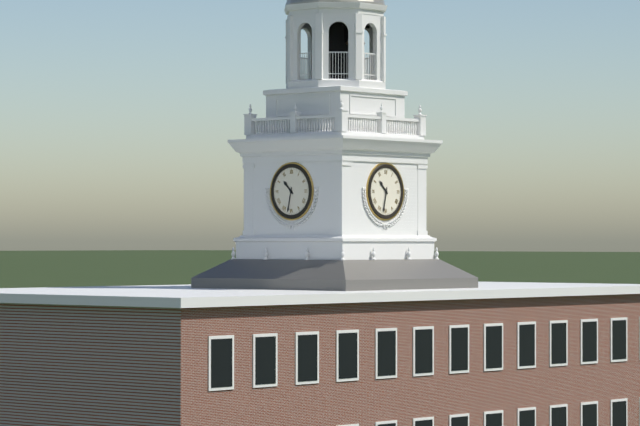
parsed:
10,32
